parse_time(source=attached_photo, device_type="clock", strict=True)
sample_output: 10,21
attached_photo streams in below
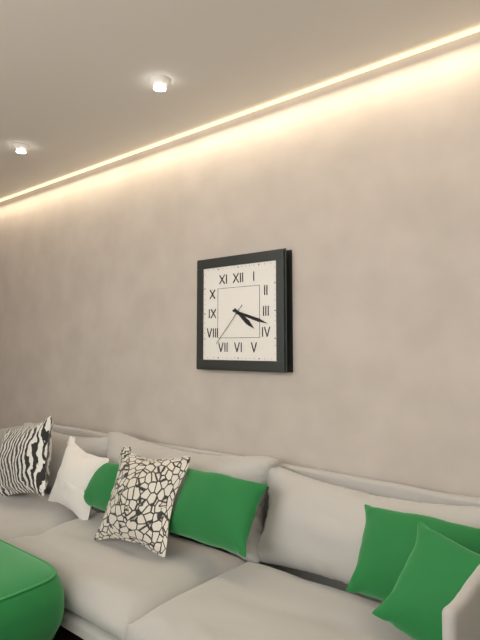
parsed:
4,18
